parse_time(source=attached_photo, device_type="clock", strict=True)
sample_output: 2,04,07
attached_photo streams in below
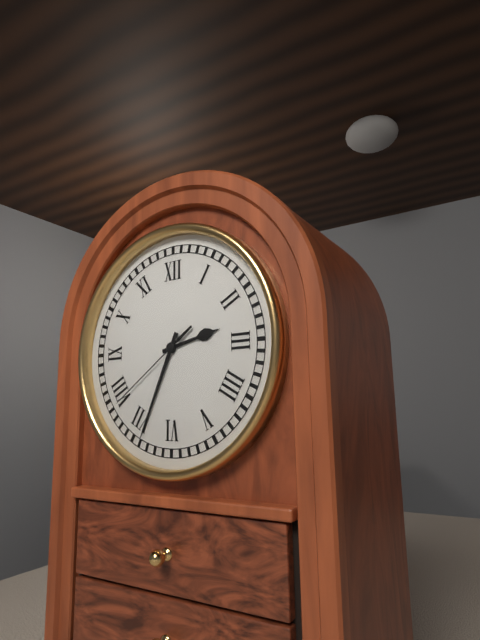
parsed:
2,34,39
